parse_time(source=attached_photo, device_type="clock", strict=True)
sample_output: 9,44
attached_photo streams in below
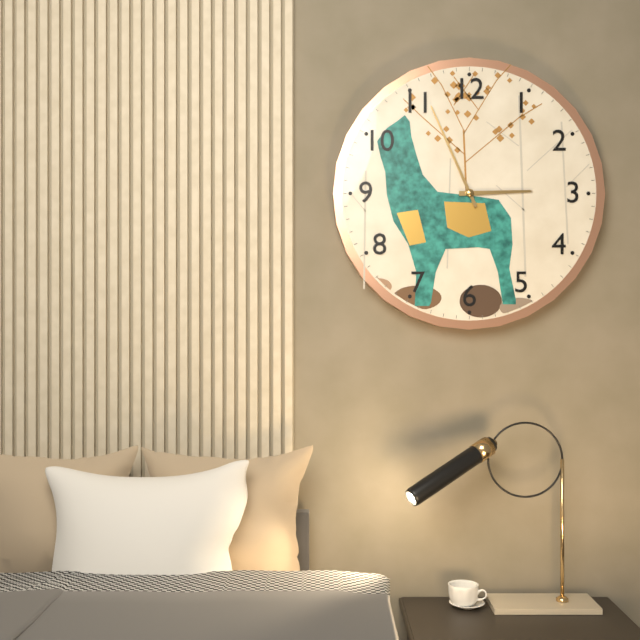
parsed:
2,56
